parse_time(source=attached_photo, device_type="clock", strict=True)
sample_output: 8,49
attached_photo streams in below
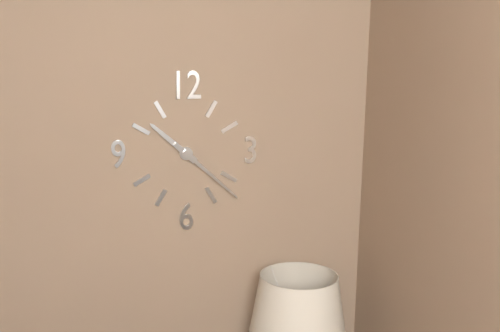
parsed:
10,22
